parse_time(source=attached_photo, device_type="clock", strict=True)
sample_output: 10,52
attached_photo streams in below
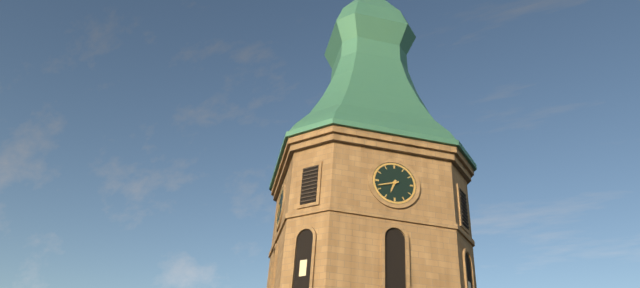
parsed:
6,42
